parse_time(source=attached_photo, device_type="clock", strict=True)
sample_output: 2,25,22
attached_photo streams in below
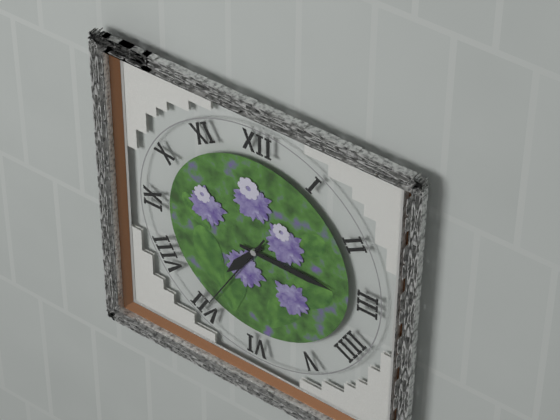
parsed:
7,15,35
